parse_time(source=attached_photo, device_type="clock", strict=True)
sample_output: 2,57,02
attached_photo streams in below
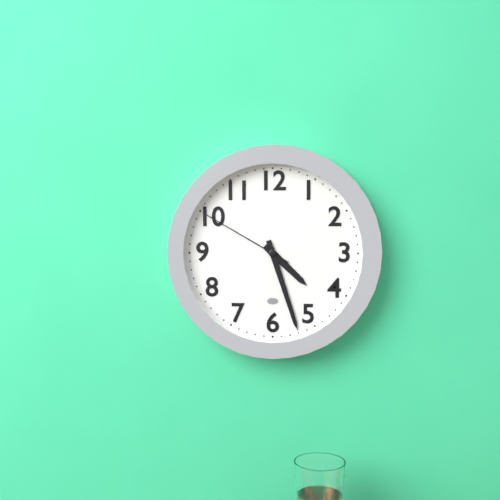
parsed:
4,27,50
